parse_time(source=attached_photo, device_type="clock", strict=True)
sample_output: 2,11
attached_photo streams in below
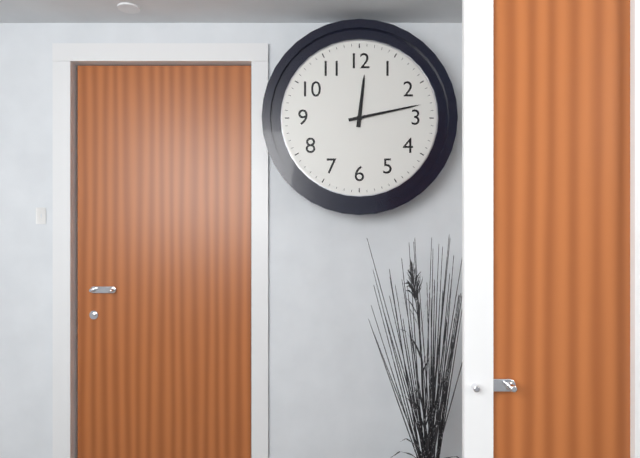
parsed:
12,13
